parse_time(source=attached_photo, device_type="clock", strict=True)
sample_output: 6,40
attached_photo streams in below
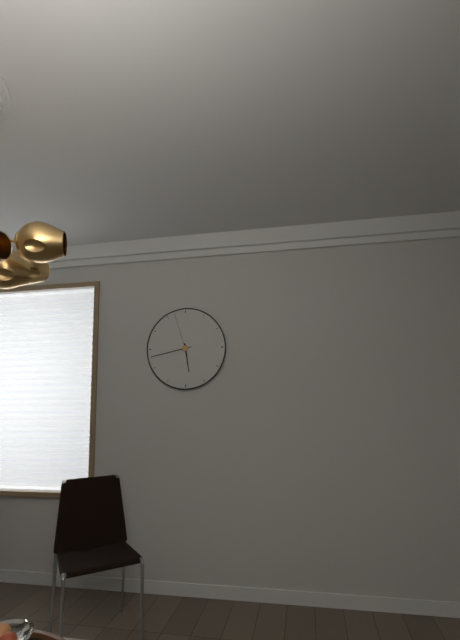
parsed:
5,43
